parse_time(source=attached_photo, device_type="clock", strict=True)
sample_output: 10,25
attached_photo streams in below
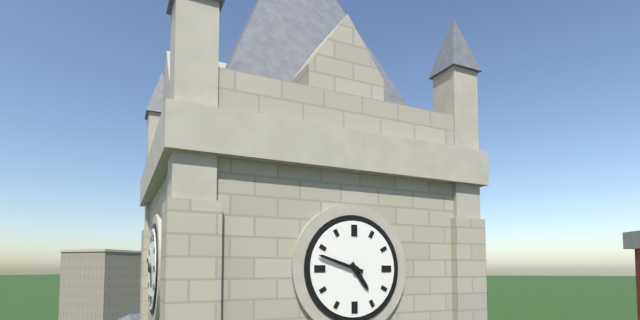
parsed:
4,48
